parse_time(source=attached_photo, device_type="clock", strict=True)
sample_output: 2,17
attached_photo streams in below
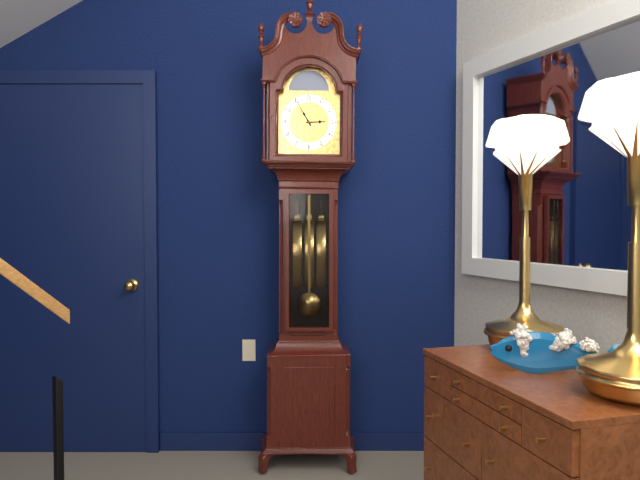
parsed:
2,55
